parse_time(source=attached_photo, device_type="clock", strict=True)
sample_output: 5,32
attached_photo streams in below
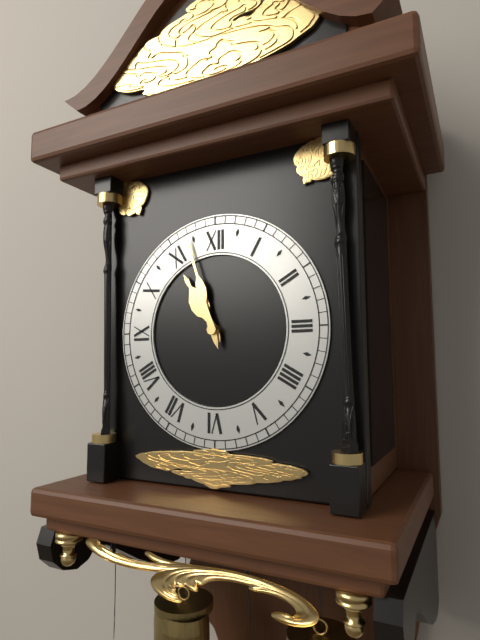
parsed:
10,57
